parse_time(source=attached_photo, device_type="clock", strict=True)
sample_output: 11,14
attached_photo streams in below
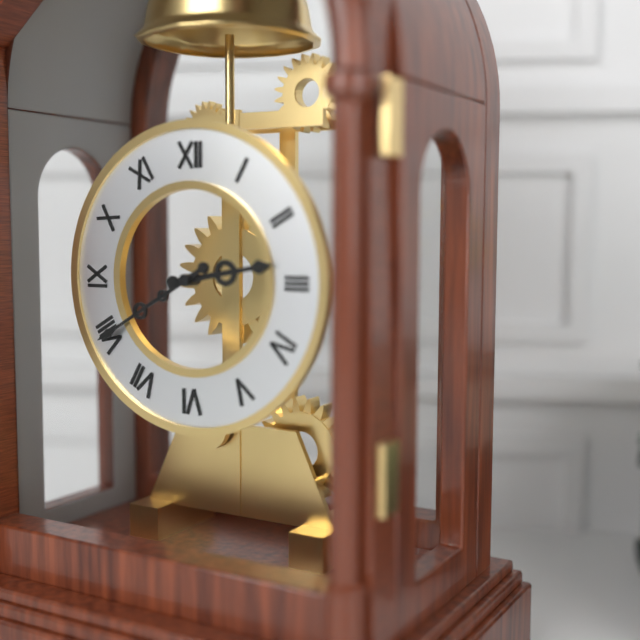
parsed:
2,40
